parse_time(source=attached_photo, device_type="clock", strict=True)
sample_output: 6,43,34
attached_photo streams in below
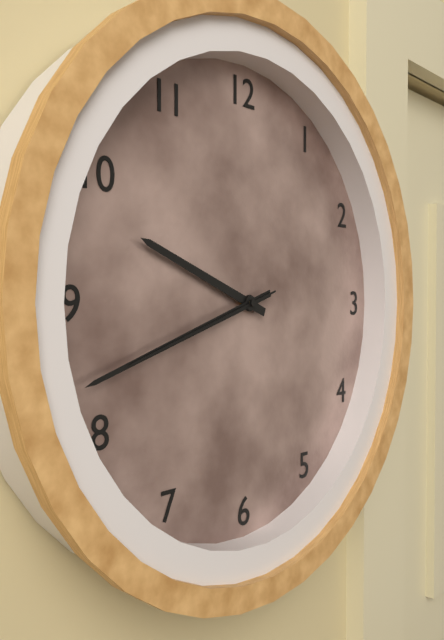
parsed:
9,42,42
